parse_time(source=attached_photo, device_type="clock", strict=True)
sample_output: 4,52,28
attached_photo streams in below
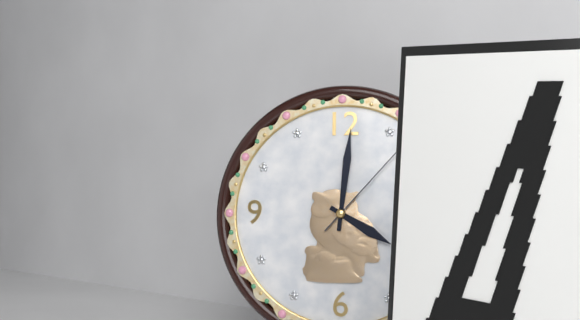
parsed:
4,01,07
